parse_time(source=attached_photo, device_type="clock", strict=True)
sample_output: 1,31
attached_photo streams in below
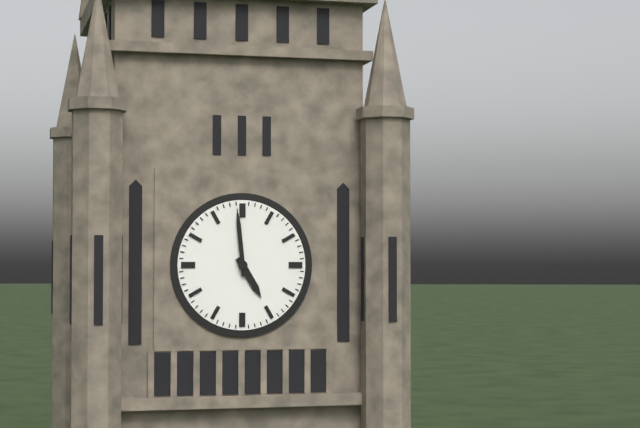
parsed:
4,59
